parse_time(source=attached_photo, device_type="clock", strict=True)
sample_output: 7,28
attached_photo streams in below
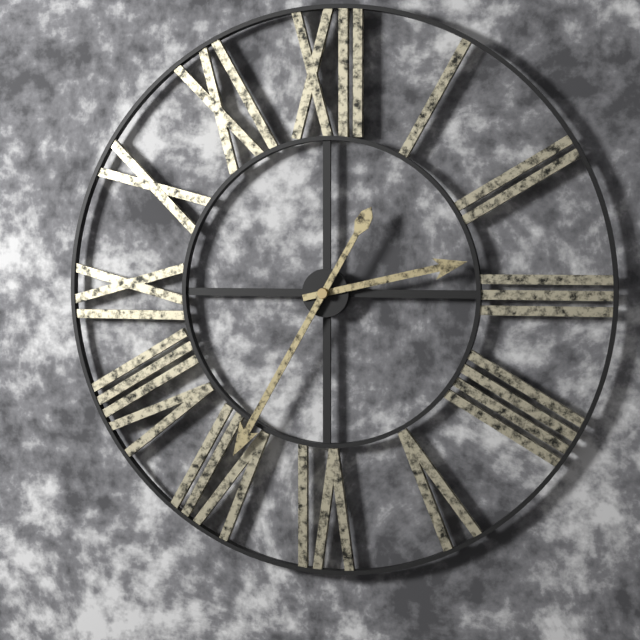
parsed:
2,35
